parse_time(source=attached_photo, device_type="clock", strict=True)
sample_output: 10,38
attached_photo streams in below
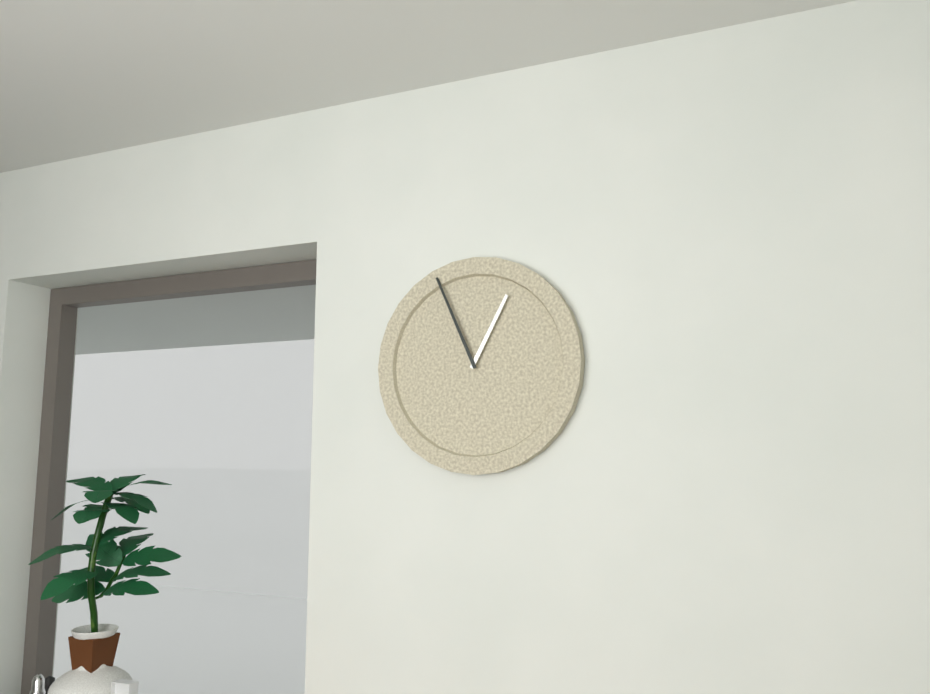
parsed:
12,56
